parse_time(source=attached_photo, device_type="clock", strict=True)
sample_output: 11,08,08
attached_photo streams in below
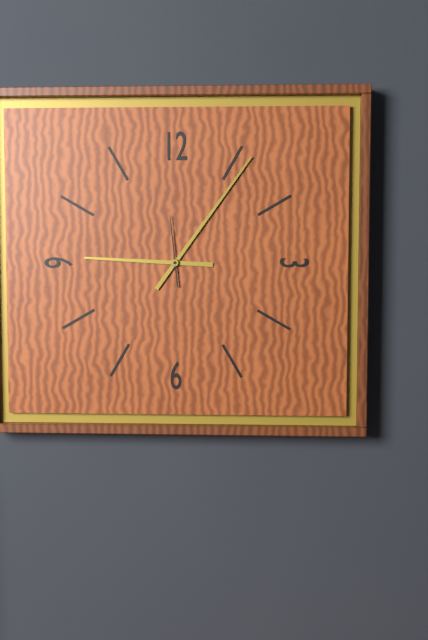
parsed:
9,06,59
